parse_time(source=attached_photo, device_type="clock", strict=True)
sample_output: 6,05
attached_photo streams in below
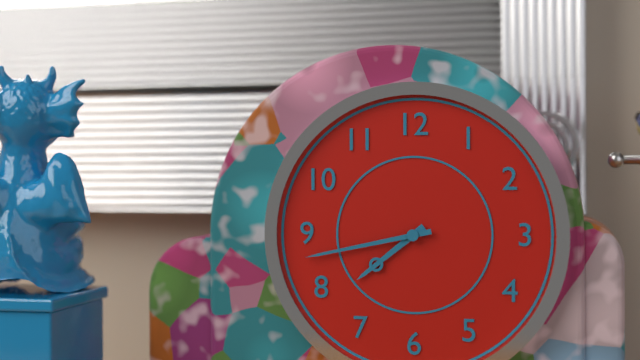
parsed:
7,43
